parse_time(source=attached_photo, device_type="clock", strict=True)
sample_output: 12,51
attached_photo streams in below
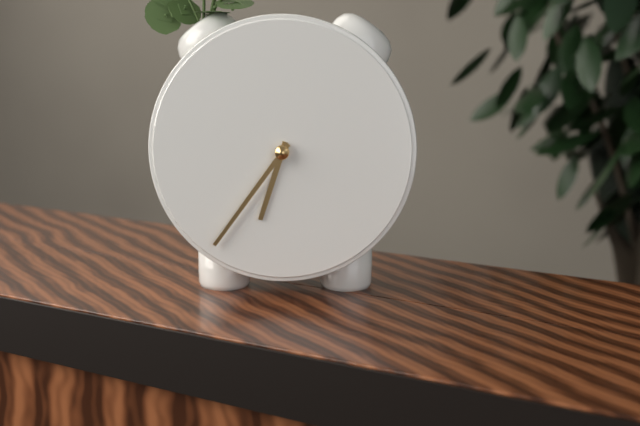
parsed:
6,36
